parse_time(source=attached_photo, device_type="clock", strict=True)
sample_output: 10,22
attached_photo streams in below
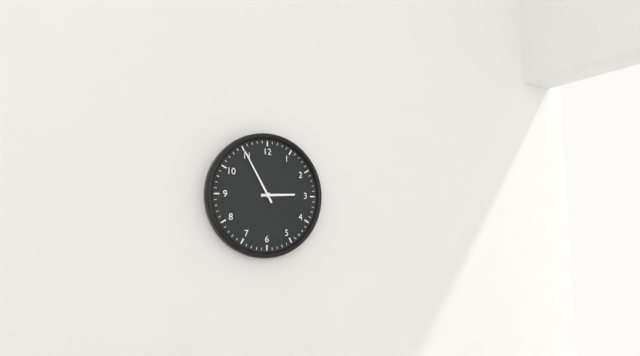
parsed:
2,55
